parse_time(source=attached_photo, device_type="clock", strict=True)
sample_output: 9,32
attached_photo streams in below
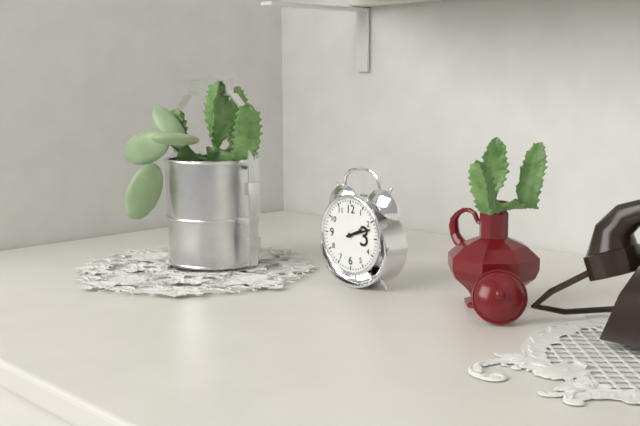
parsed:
2,12
